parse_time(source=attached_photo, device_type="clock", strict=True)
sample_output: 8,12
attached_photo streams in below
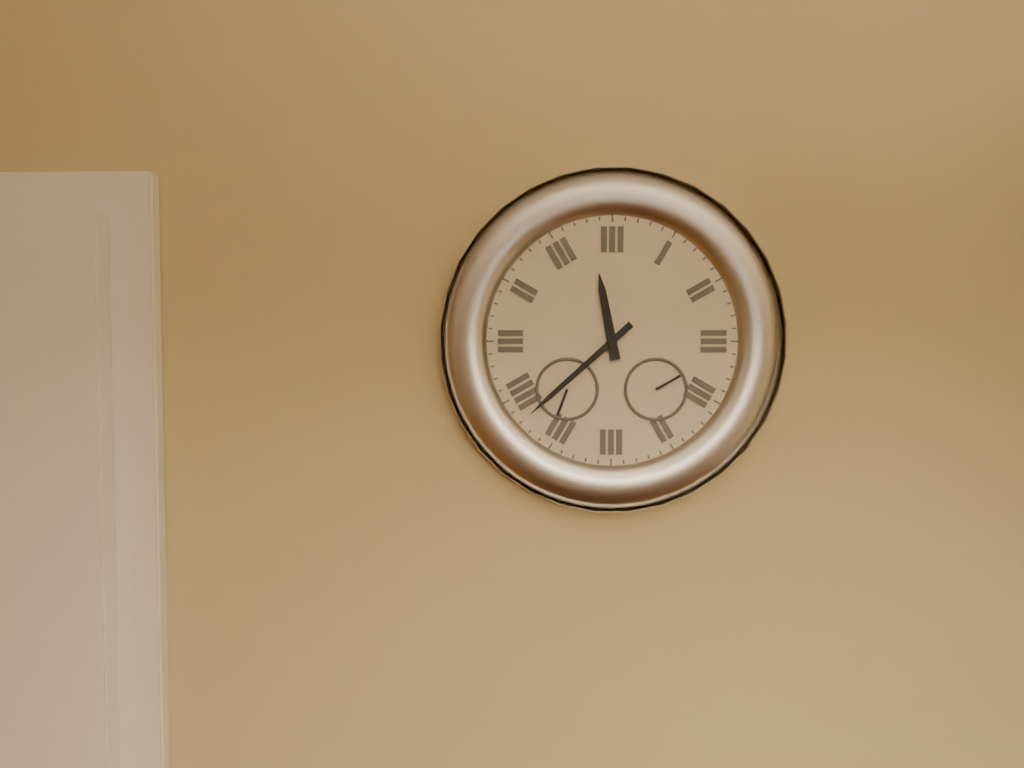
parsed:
11,38
